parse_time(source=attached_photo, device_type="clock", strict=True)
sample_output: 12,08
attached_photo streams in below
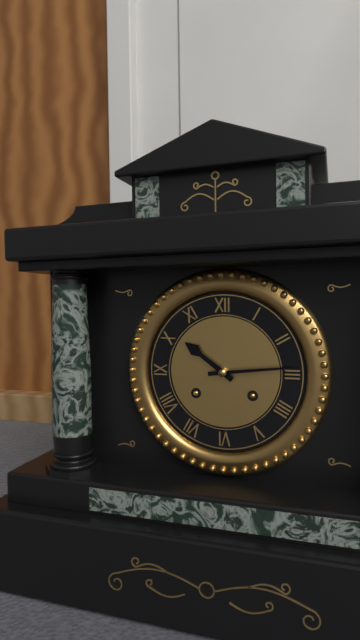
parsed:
10,14
